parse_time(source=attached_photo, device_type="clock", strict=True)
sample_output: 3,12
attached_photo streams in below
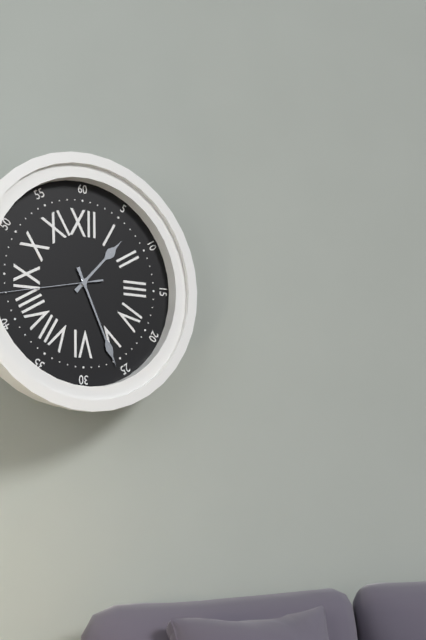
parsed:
1,26
